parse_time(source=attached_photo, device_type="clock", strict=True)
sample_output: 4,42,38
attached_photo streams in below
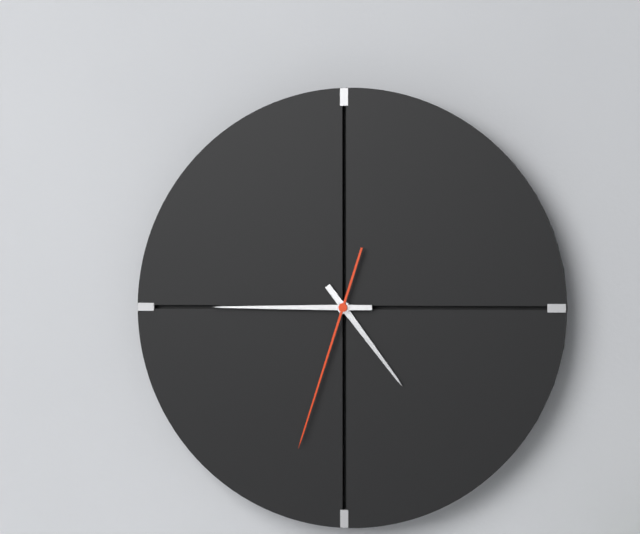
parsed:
4,45,33
